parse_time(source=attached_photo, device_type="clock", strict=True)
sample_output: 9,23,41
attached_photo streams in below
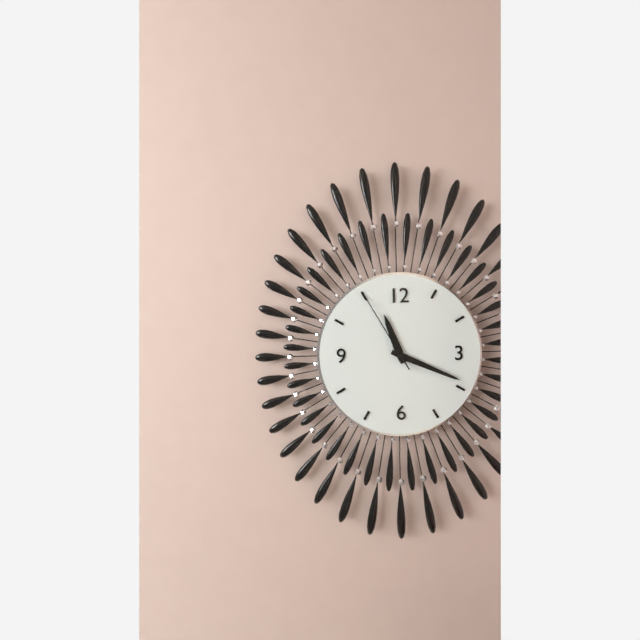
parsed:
11,19,55
